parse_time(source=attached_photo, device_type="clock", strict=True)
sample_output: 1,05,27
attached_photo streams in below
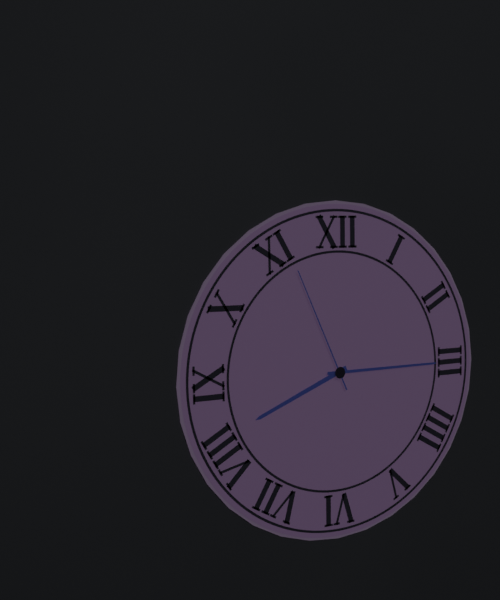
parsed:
8,15,56
